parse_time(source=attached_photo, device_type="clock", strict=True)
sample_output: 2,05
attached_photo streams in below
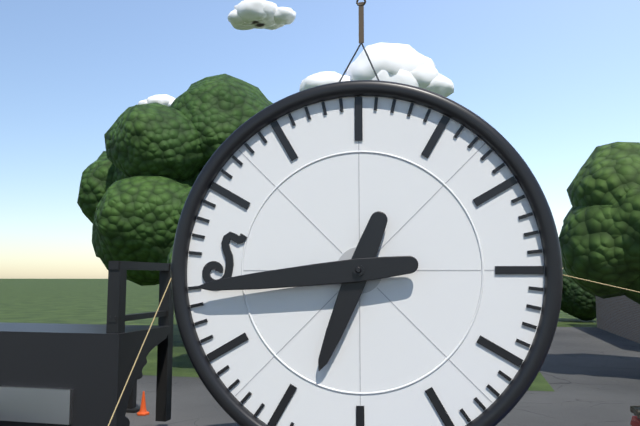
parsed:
6,44
